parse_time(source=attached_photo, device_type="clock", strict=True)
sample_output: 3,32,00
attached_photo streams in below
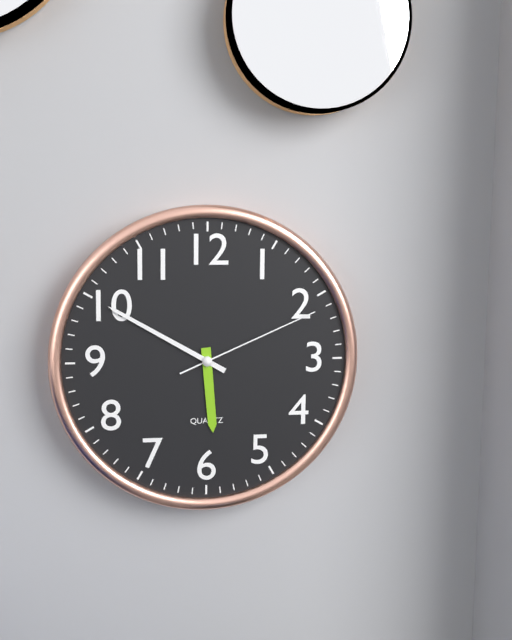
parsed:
5,50,11
